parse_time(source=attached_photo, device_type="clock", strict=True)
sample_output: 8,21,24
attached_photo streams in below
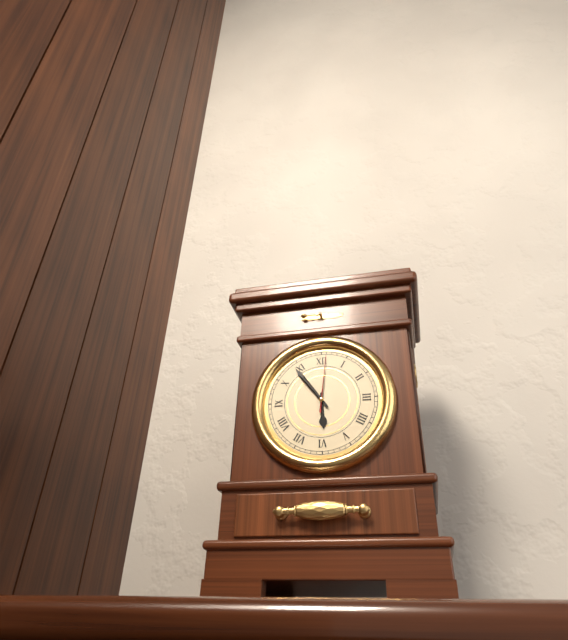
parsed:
5,54,01
